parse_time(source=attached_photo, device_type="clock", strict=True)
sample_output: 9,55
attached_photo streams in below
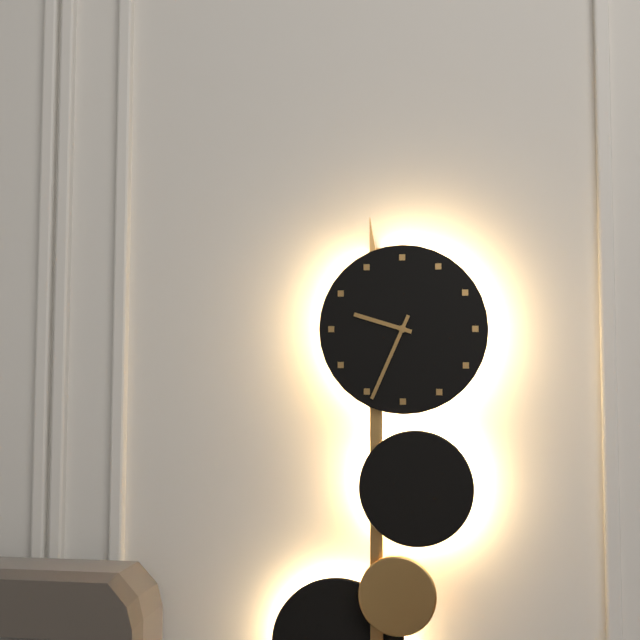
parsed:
9,34
